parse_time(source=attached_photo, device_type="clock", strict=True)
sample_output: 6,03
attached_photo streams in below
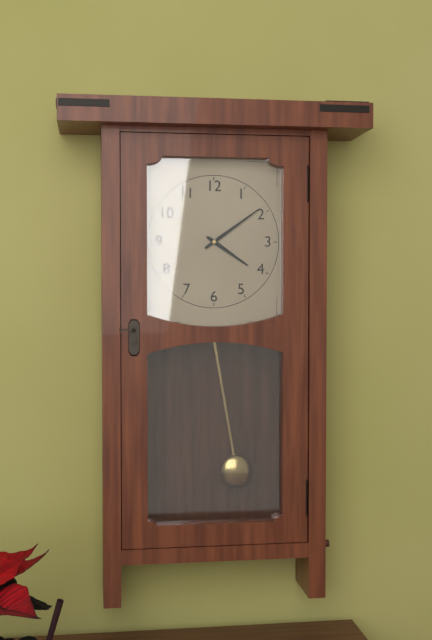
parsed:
4,09
